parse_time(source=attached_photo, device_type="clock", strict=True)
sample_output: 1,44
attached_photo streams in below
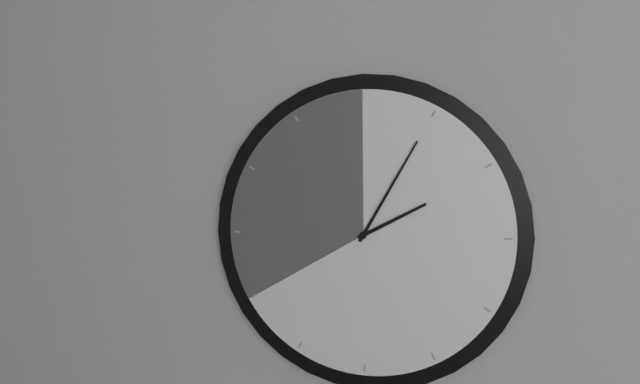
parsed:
2,05
